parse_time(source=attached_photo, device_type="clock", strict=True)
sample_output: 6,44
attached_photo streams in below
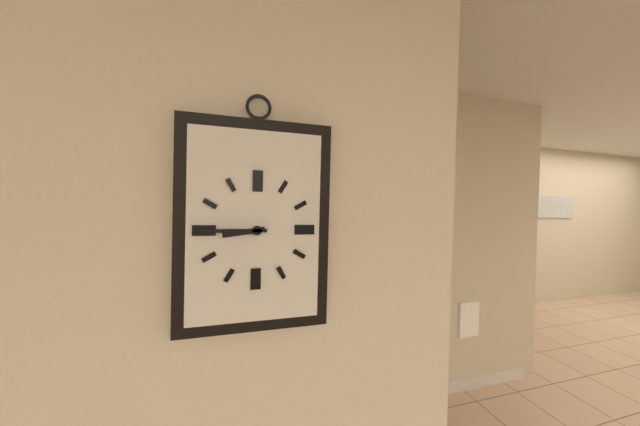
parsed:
8,45
